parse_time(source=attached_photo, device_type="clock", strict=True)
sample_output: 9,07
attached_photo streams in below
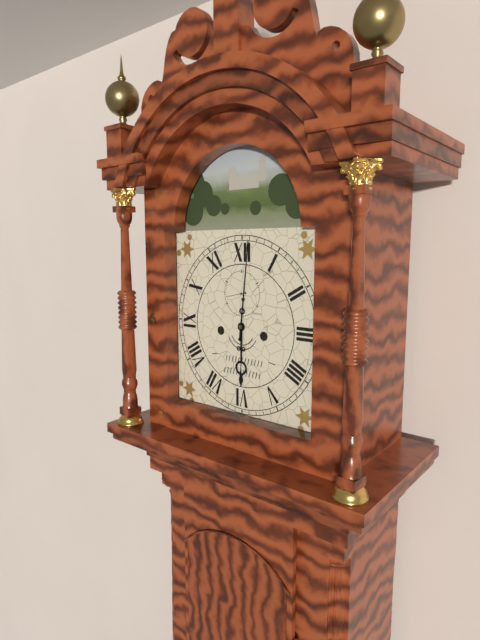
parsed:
6,01
